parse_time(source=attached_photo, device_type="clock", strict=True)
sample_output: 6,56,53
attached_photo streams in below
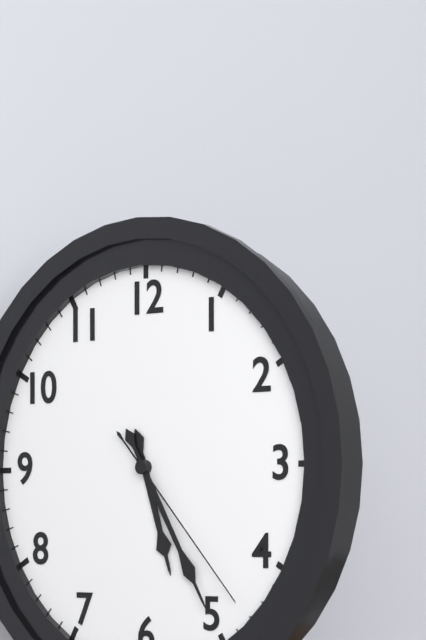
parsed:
5,25,23
